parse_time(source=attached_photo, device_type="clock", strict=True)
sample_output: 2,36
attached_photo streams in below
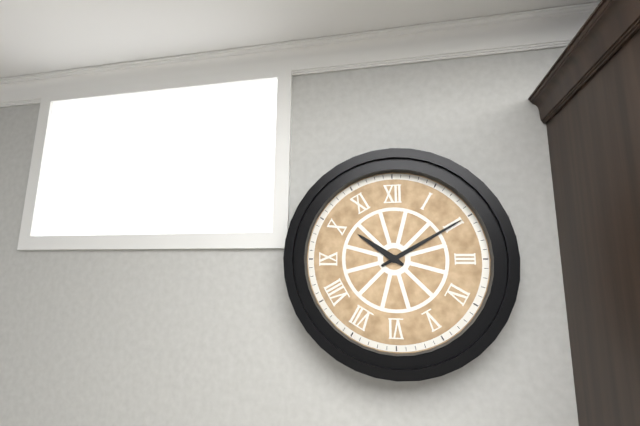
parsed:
10,10
